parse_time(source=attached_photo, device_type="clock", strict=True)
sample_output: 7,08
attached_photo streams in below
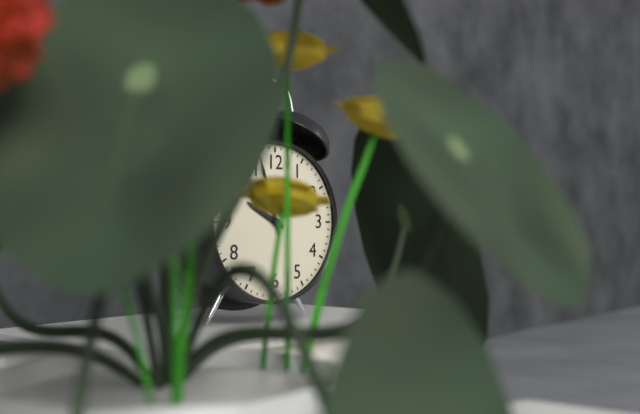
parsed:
9,57
